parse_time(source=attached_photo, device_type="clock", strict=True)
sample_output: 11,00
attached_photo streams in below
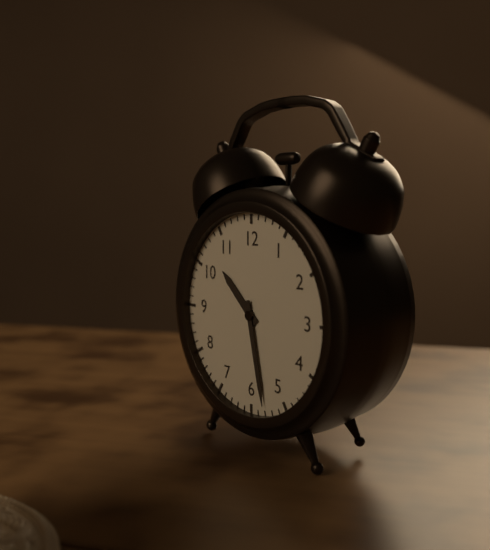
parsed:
10,28
